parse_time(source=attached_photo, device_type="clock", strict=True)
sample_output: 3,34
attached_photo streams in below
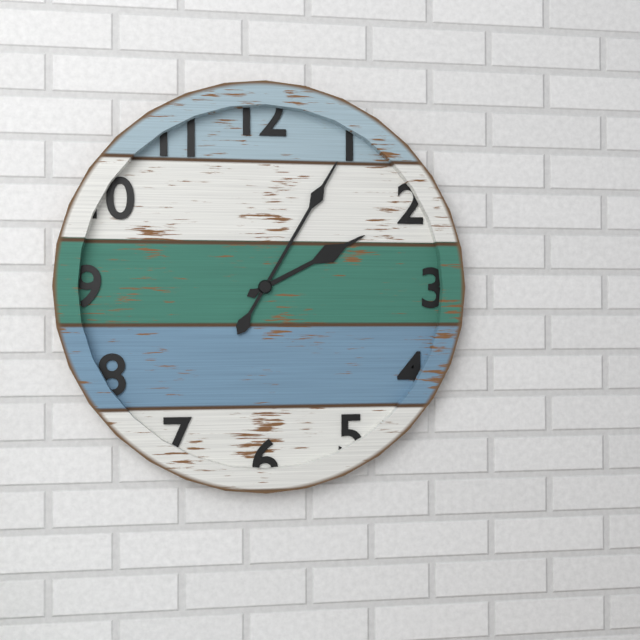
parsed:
2,05
